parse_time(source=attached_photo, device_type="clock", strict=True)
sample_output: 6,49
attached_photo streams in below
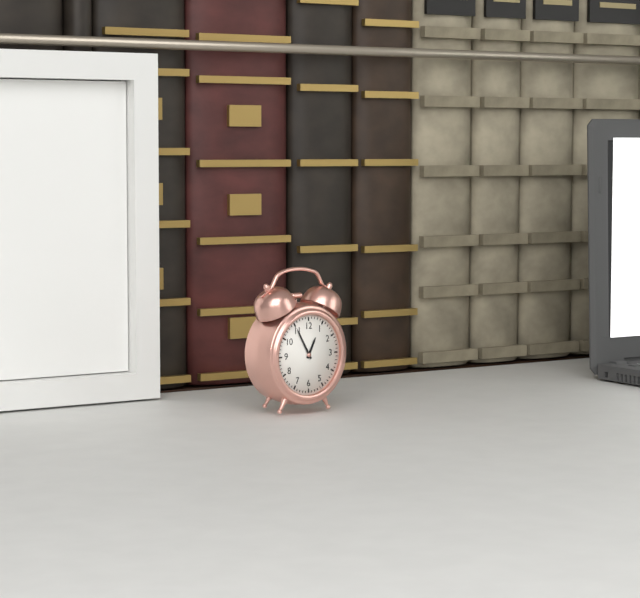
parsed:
12,55
